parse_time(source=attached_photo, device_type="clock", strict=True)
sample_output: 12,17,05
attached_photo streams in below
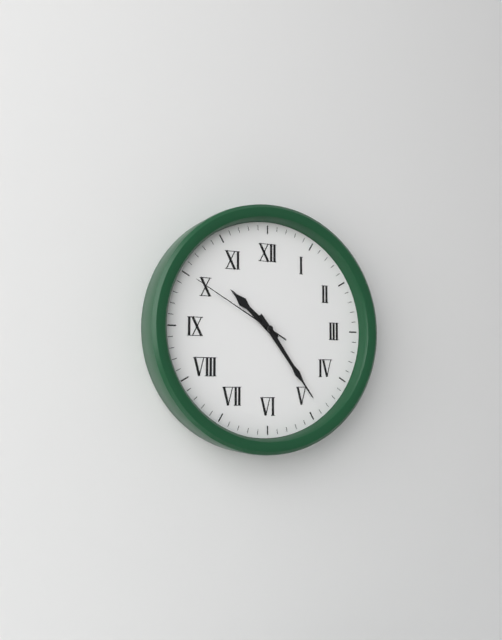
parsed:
10,24,50
